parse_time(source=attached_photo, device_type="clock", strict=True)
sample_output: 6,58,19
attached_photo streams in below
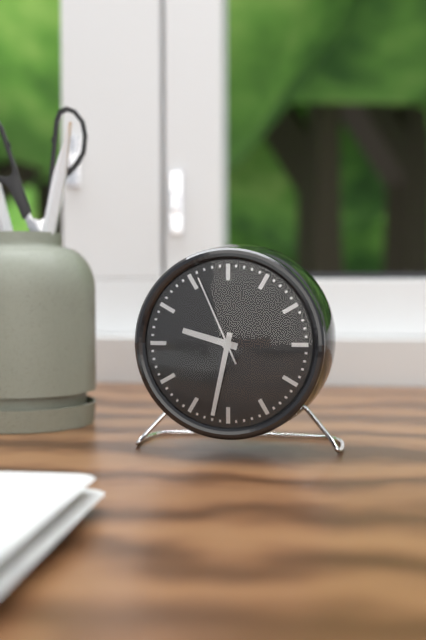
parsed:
9,32,56
